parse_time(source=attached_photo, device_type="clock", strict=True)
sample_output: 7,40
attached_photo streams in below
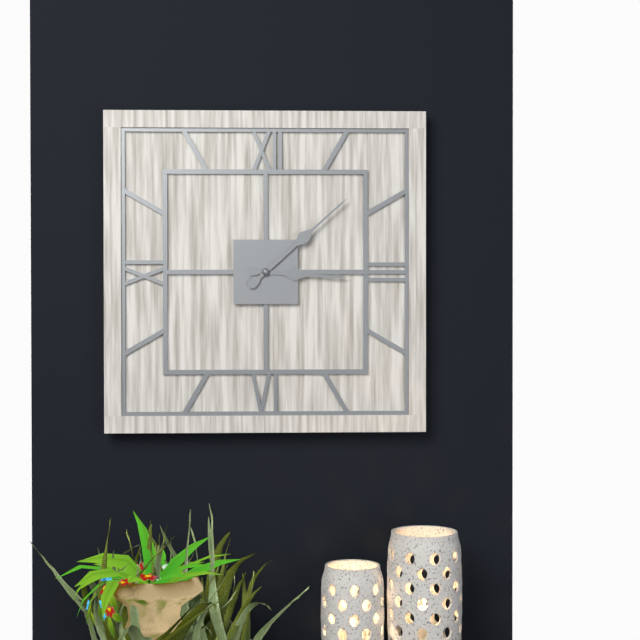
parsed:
3,08
